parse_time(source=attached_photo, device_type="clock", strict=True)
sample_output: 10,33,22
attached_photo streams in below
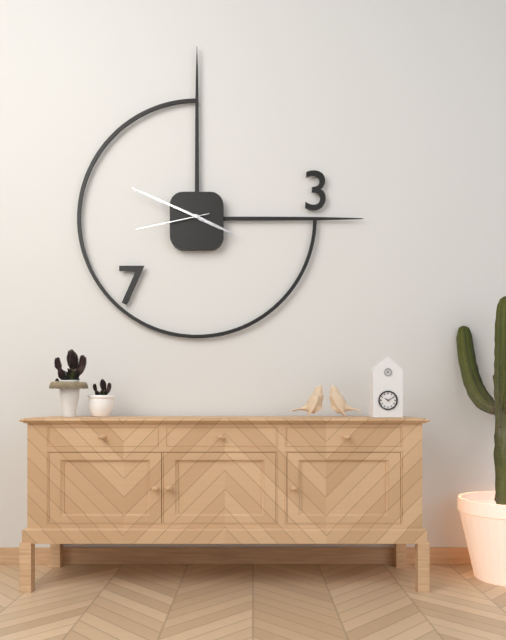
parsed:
3,49,43
